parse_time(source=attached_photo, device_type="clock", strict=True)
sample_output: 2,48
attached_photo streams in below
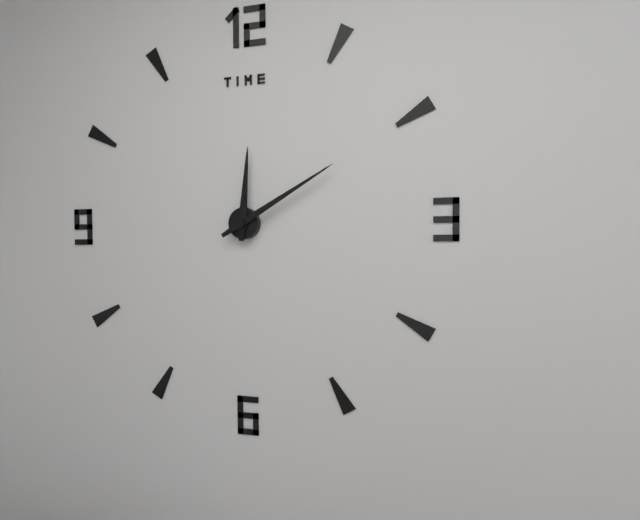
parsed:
12,10
